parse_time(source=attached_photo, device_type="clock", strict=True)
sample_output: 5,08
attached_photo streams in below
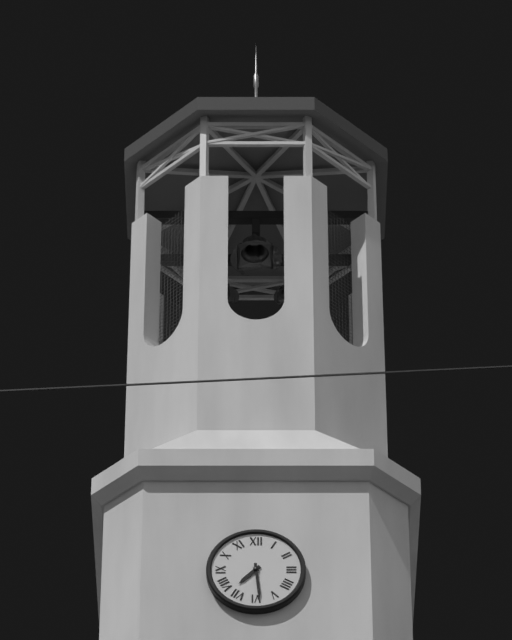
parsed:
7,29
